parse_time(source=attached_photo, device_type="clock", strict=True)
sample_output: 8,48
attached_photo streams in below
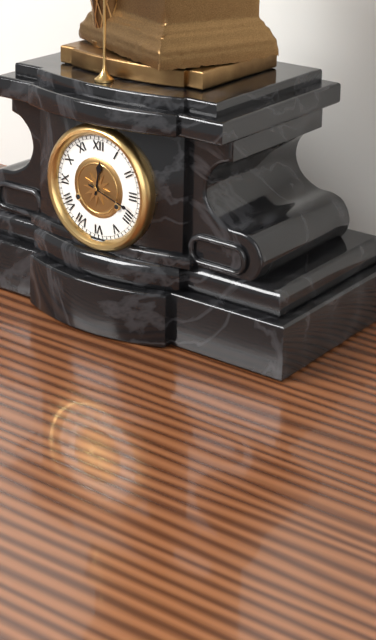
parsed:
12,18
